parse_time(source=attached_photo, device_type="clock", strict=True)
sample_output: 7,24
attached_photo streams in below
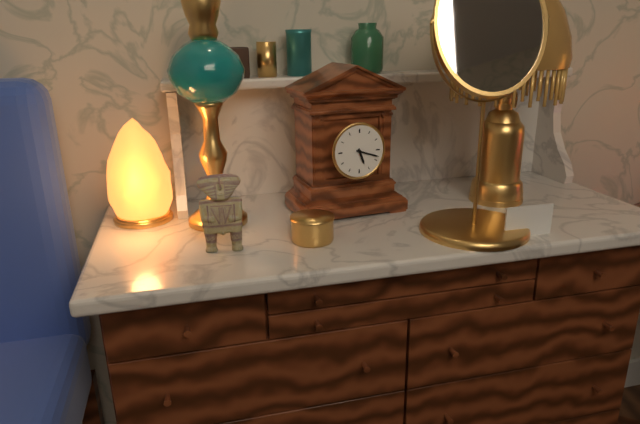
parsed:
5,18
